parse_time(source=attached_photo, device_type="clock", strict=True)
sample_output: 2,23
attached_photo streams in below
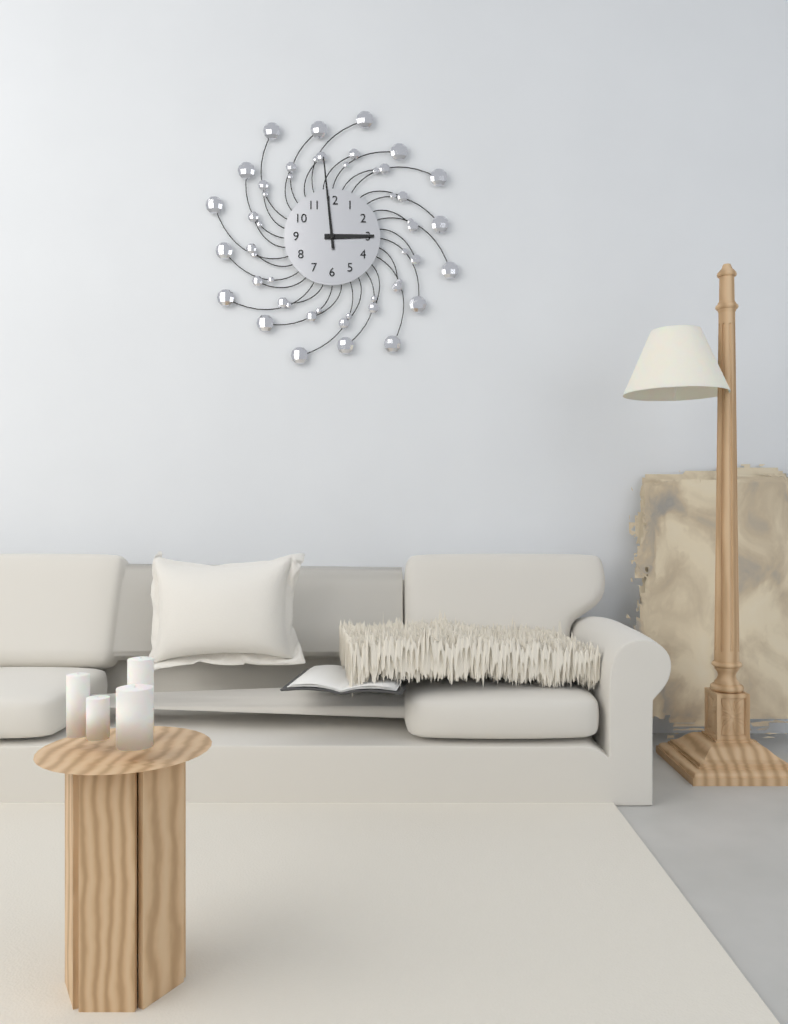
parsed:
2,59
